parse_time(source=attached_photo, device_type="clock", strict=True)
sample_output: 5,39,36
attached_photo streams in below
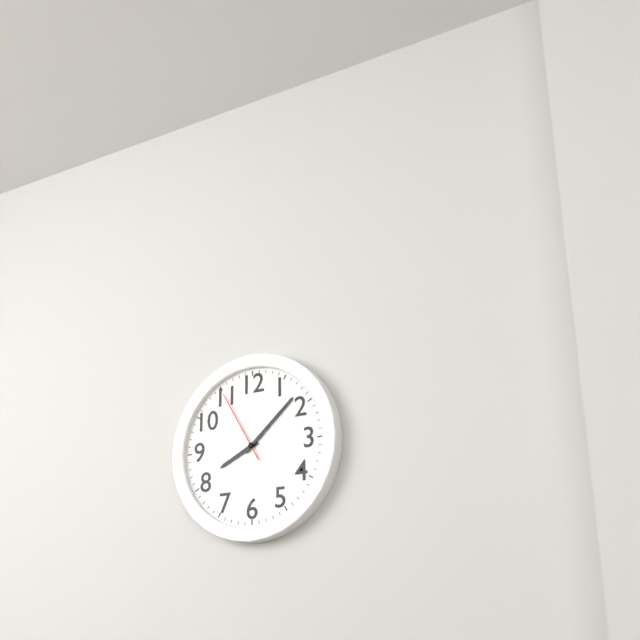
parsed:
8,08,55
